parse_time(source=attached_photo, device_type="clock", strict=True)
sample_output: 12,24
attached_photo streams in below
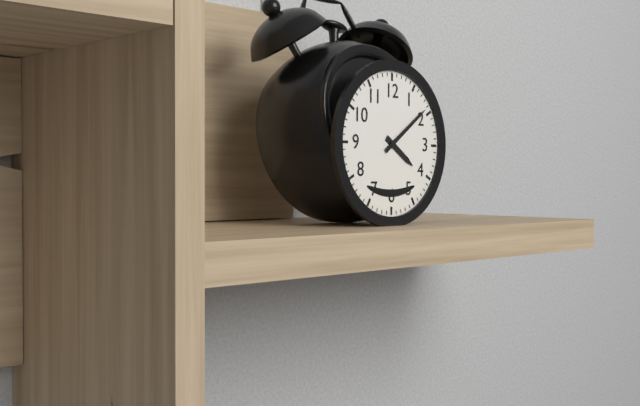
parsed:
4,09
